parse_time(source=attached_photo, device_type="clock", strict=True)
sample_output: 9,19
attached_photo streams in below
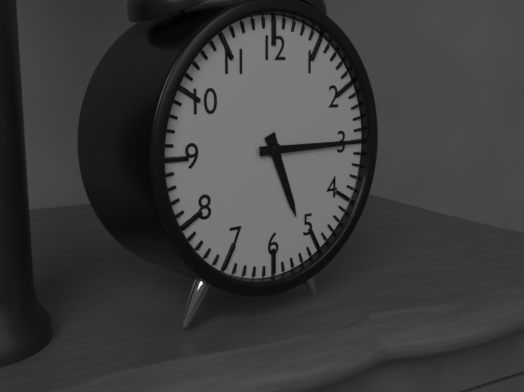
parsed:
5,15
